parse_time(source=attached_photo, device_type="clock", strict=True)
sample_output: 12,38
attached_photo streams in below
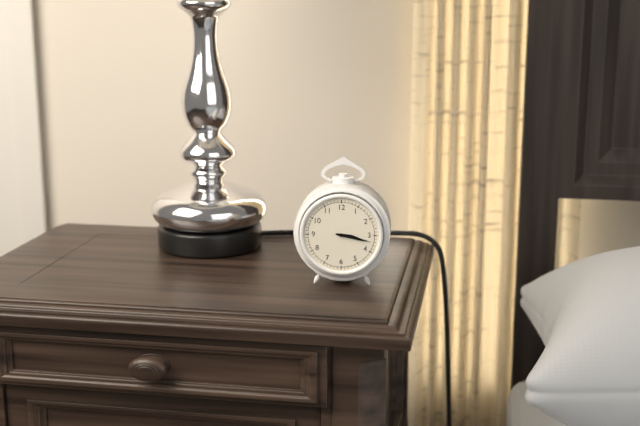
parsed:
3,17
